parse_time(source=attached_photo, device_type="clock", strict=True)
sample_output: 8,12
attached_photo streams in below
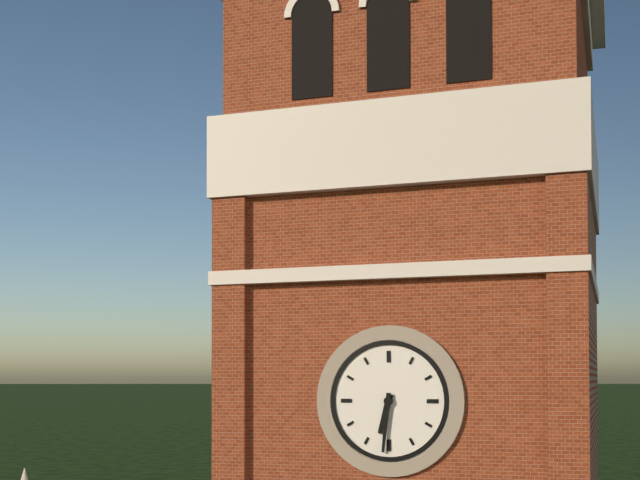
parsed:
6,31
